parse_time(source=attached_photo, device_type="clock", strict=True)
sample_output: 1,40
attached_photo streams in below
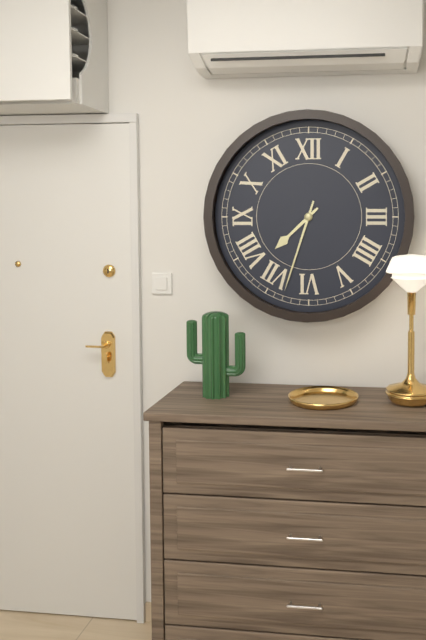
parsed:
7,33
